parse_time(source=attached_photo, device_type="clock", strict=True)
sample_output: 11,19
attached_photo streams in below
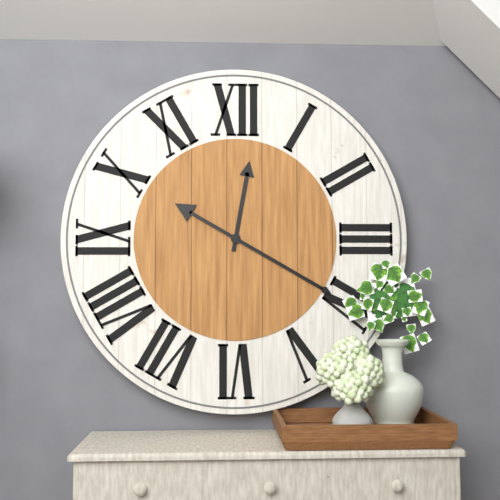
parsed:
12,20
